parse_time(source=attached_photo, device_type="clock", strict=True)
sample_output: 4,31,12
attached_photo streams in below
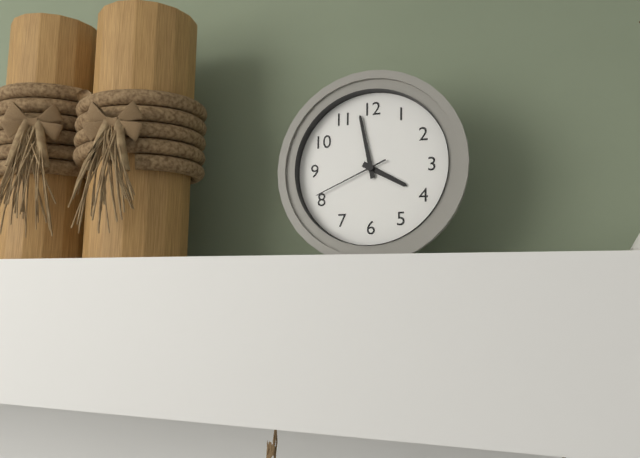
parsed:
3,58,41
